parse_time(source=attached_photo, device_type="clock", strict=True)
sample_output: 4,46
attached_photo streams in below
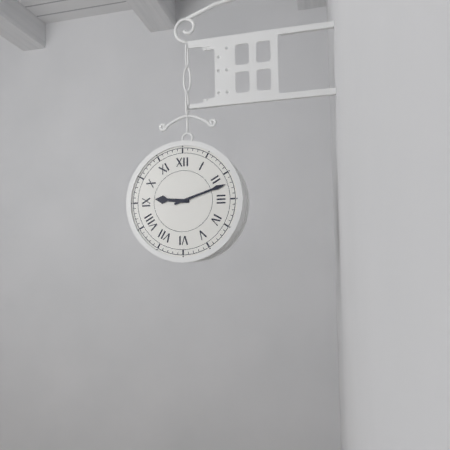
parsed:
9,12
